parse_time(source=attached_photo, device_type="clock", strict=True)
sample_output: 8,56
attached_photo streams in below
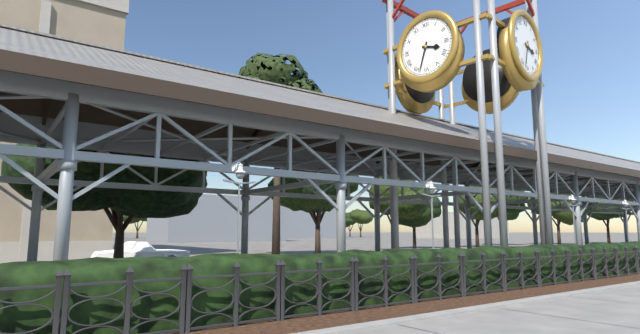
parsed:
3,33
